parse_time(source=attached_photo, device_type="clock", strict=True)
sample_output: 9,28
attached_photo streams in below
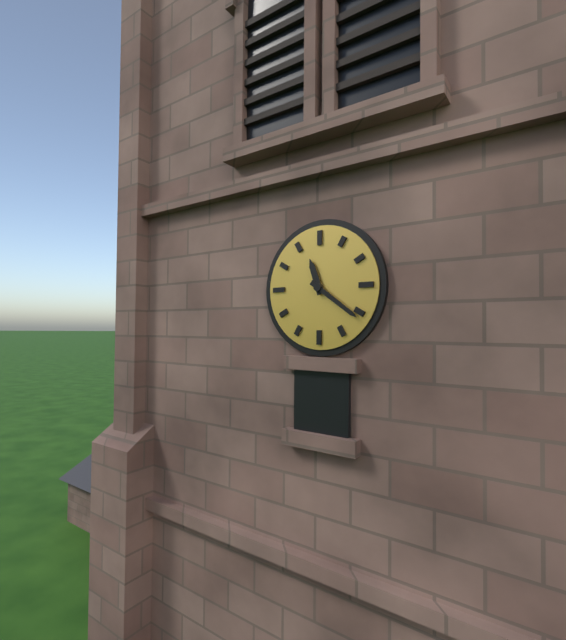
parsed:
11,21
